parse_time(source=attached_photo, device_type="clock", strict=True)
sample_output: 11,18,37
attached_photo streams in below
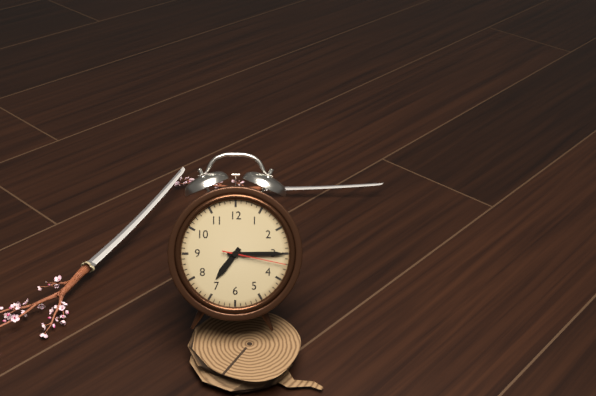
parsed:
7,15,17
